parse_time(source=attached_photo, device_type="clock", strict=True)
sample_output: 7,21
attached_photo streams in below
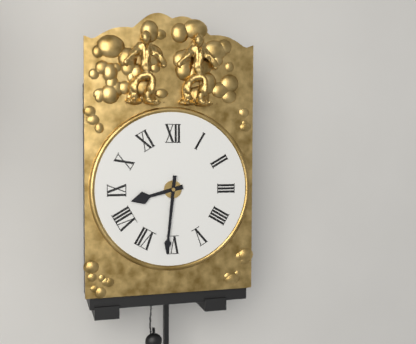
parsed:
8,31
